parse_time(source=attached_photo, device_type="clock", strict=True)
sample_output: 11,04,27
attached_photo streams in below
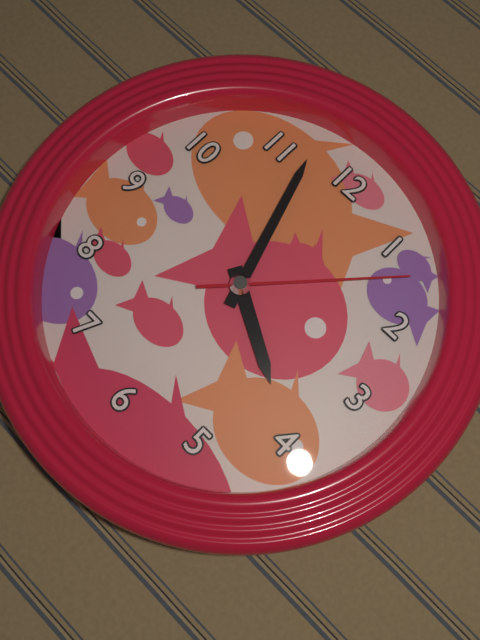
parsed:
3,57,07
